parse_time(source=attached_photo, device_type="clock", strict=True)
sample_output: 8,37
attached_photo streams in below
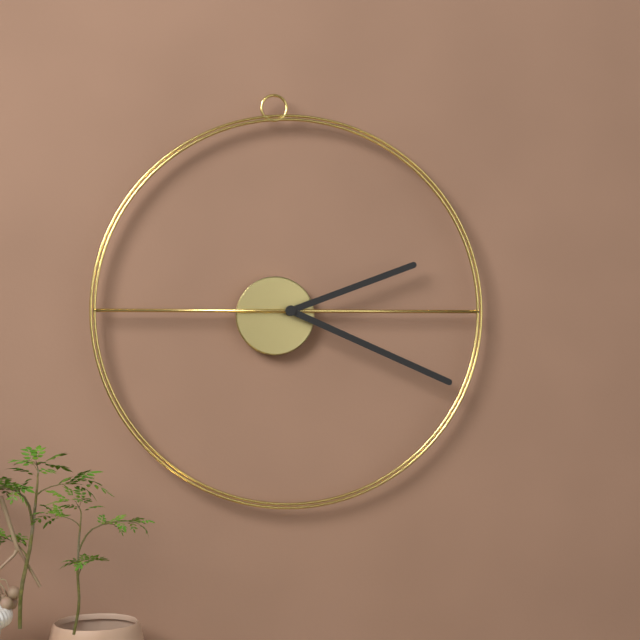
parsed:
2,19
